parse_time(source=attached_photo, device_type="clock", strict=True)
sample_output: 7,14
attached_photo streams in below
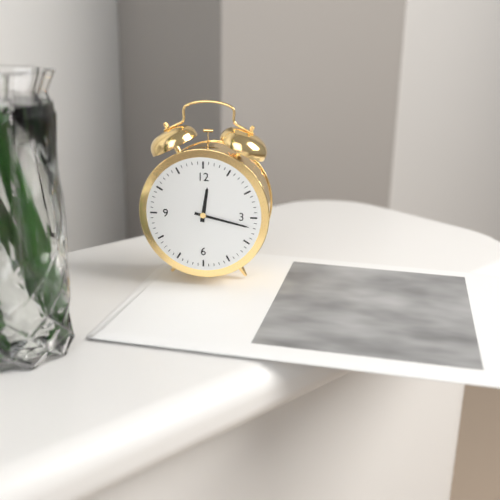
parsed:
12,17
